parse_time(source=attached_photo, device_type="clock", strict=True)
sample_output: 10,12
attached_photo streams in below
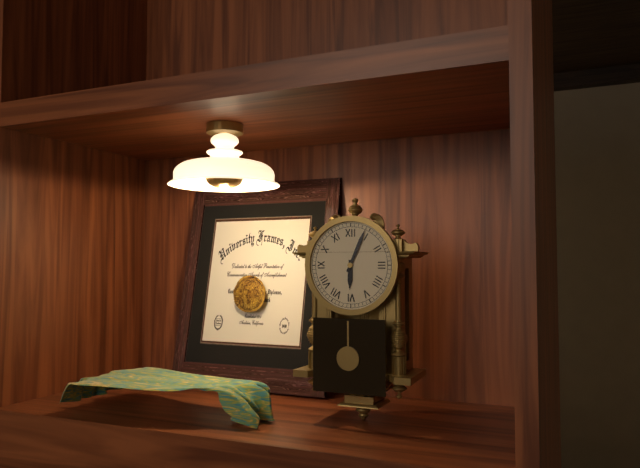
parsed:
6,04
